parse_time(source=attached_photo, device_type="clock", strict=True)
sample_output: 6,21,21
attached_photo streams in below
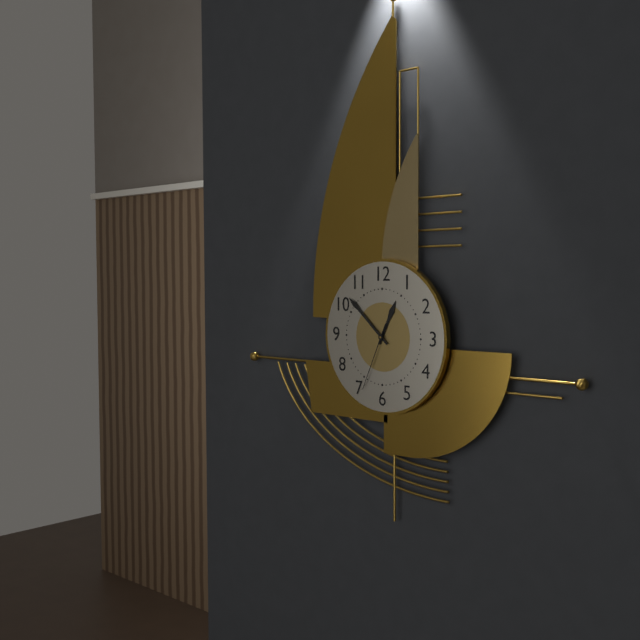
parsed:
12,52,34
